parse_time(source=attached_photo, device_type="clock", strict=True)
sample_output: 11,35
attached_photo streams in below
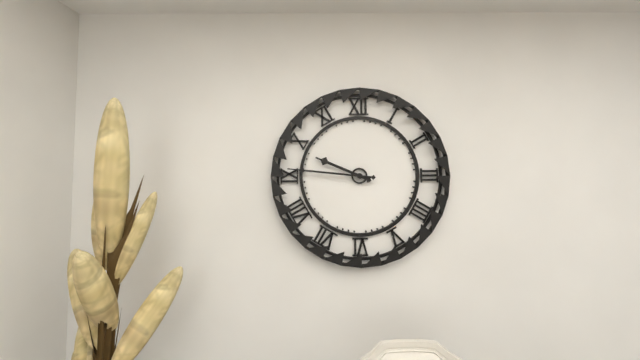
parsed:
9,46
